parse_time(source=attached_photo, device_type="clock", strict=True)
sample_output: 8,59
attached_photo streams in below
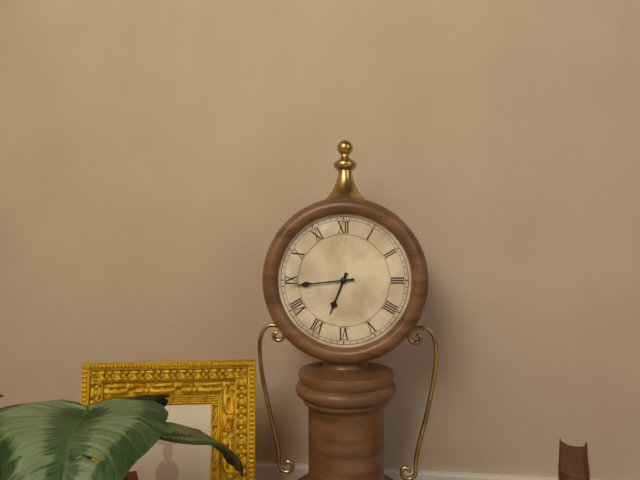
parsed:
6,44
